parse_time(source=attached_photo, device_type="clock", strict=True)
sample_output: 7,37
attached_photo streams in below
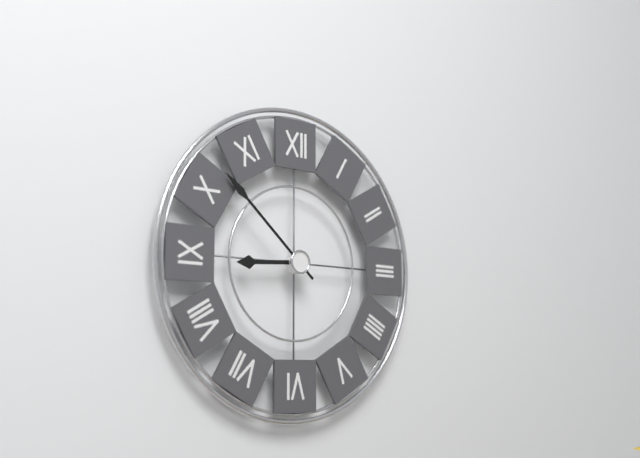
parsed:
8,52
